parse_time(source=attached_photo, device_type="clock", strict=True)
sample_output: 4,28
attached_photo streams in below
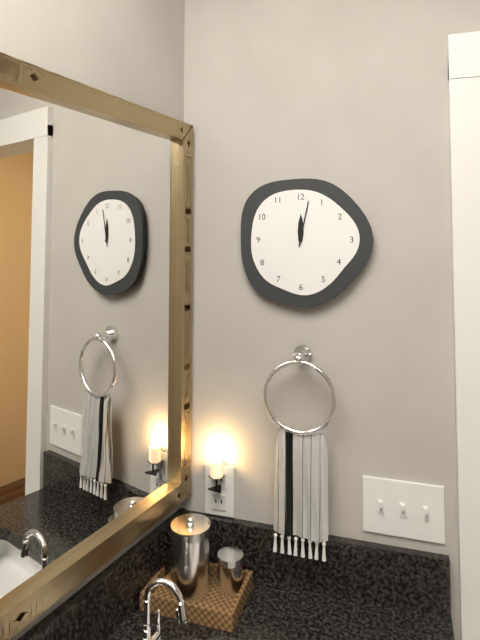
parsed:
12,02
